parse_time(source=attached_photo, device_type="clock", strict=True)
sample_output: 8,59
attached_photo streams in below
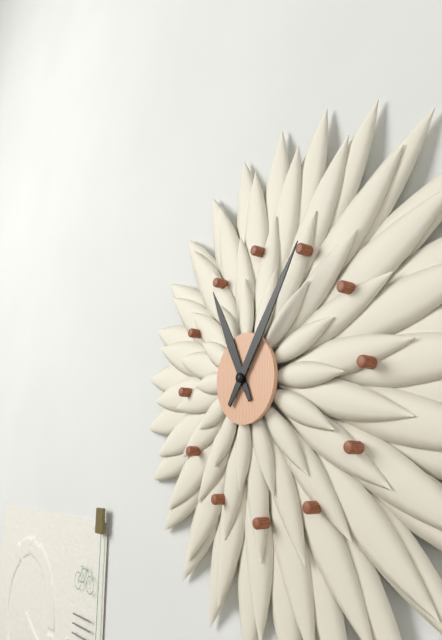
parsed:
11,06
